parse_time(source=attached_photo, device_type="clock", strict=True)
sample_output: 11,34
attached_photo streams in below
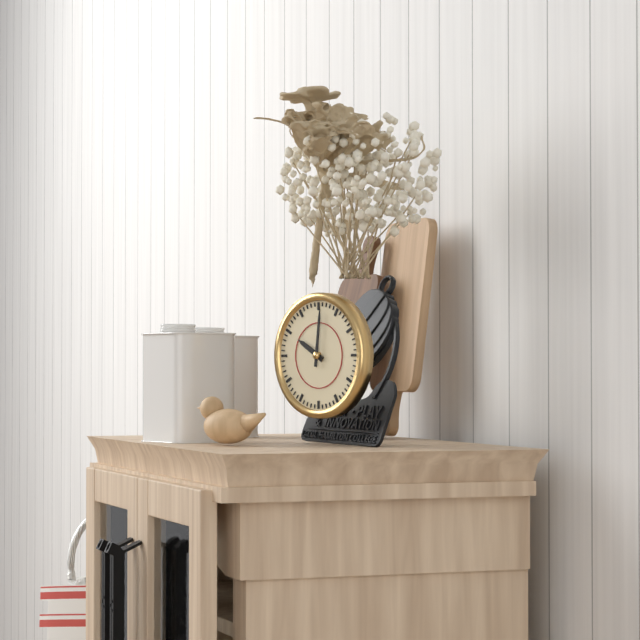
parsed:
10,01
